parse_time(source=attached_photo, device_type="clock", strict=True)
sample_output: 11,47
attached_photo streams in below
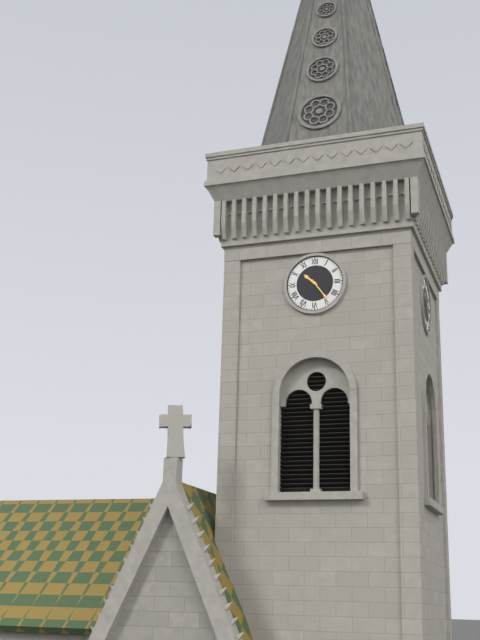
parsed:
10,24
